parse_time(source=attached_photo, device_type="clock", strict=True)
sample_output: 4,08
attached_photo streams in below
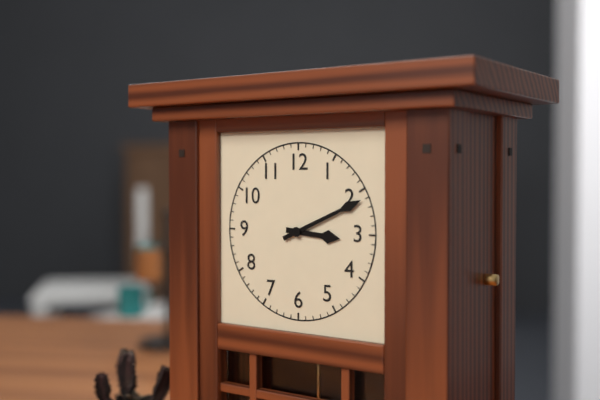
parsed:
3,11
